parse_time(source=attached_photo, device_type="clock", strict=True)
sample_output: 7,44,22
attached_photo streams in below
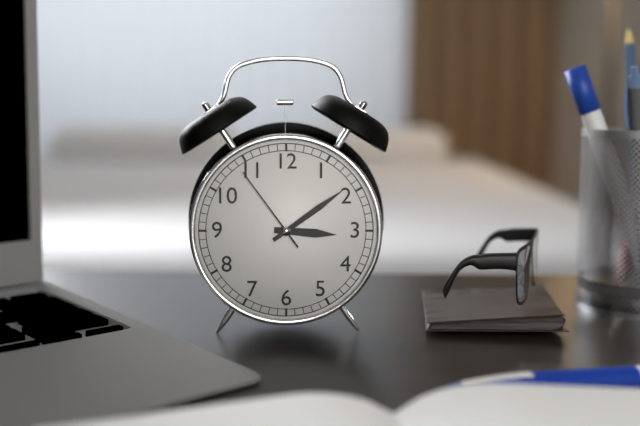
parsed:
3,09,54
